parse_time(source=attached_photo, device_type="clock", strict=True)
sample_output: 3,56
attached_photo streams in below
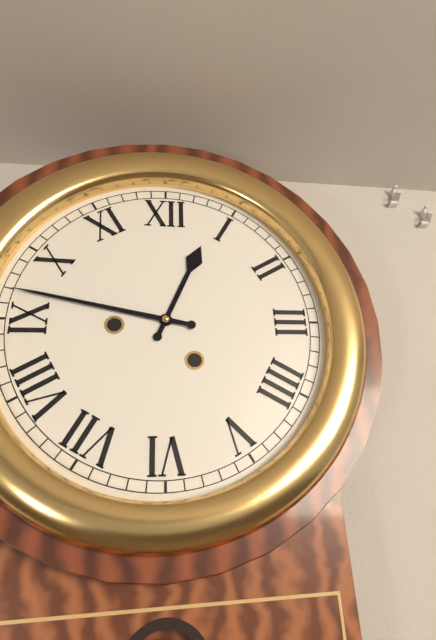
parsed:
12,47
